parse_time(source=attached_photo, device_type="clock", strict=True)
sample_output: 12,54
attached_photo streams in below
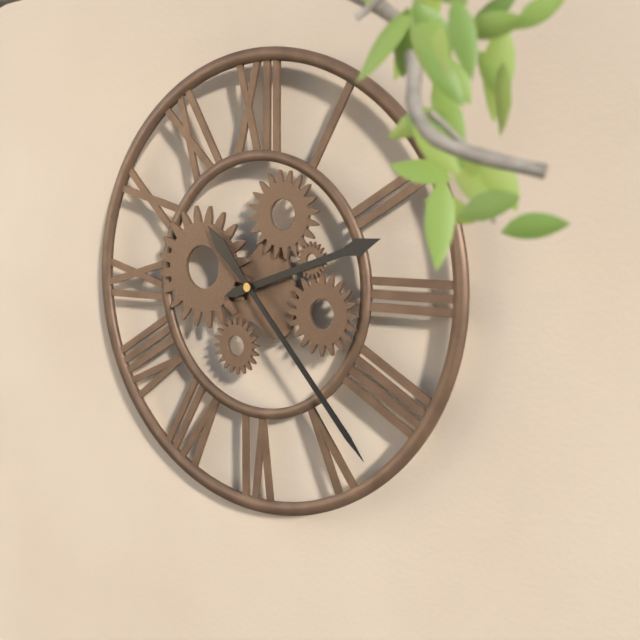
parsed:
2,23
